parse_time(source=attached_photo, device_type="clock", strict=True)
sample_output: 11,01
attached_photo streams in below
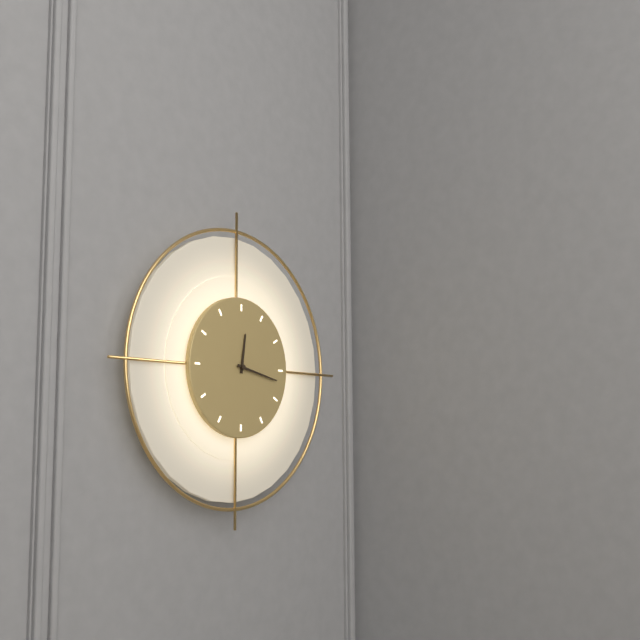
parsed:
12,17
